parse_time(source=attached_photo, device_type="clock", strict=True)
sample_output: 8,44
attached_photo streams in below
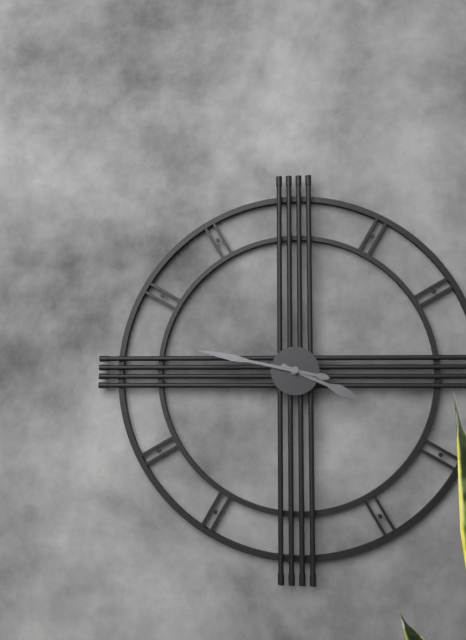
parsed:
3,47
